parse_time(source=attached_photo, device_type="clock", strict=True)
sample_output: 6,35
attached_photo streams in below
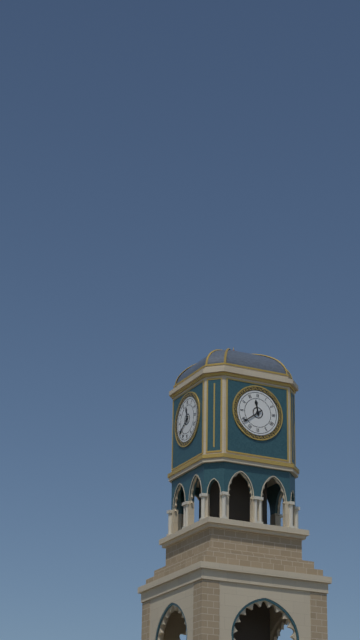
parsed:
11,39
